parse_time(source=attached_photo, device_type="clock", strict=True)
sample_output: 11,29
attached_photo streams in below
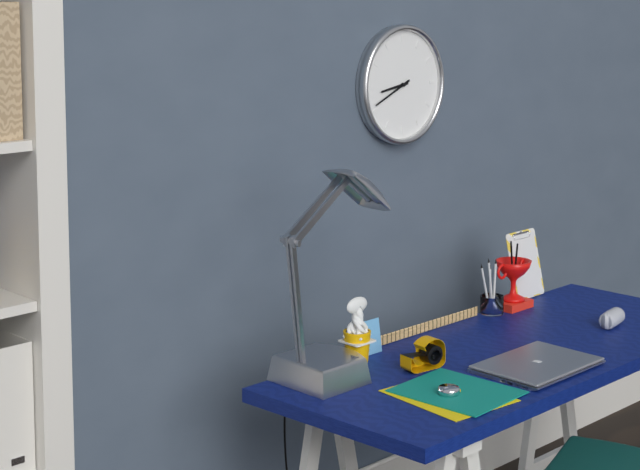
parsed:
8,41
